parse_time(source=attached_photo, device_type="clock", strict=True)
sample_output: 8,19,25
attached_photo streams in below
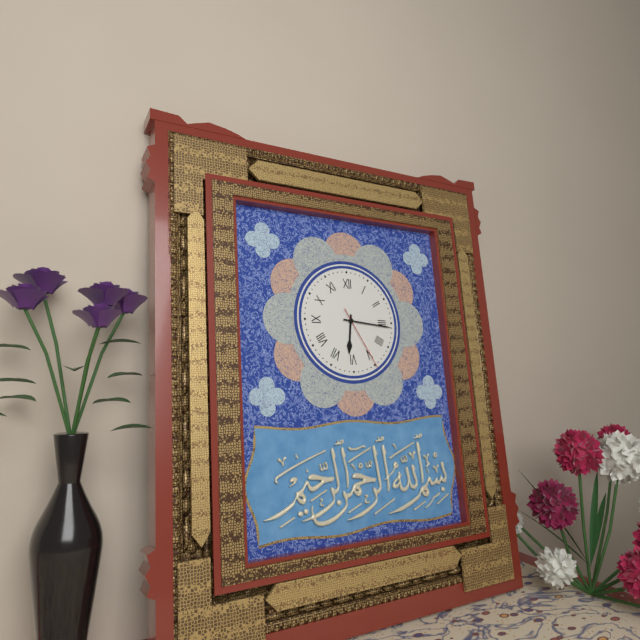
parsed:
6,16,25
